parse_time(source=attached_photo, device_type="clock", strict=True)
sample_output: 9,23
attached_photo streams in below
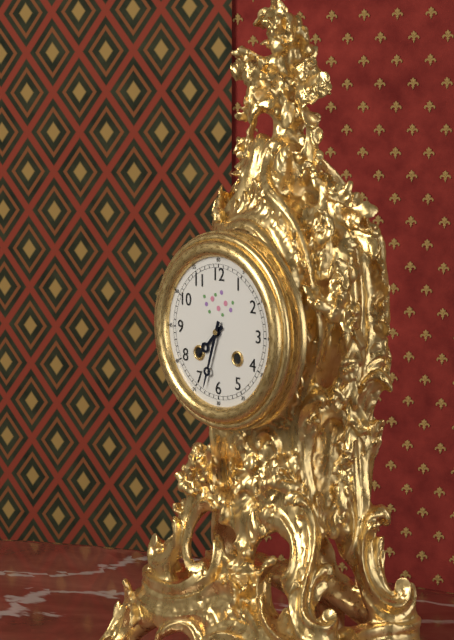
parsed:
7,33
